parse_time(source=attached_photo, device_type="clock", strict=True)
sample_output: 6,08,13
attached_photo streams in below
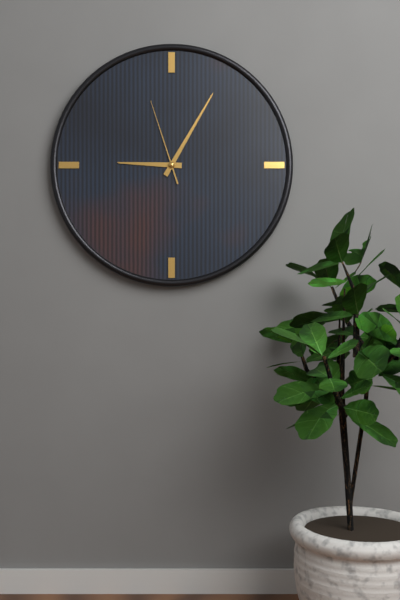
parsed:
9,05,57
